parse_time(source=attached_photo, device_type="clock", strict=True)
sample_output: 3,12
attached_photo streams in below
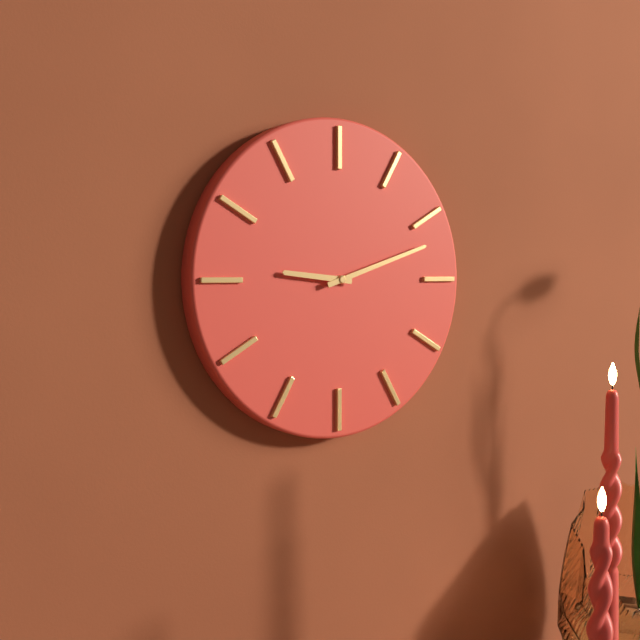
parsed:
9,12
